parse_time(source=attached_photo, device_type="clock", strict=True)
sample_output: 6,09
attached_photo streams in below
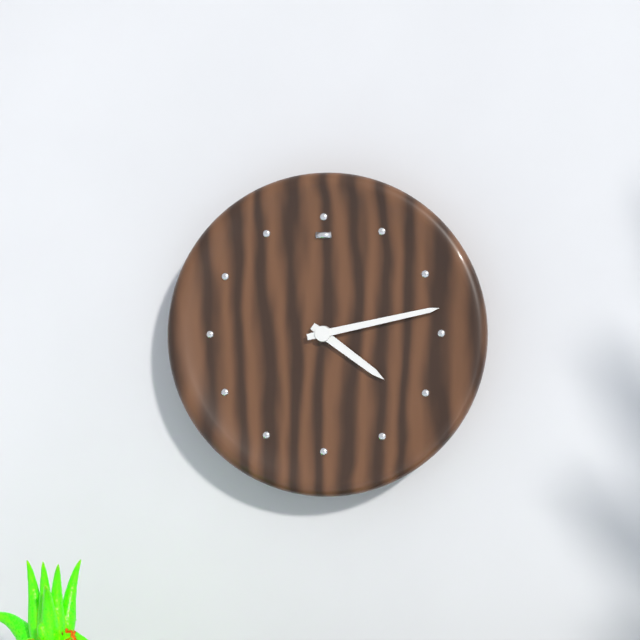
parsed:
4,13
